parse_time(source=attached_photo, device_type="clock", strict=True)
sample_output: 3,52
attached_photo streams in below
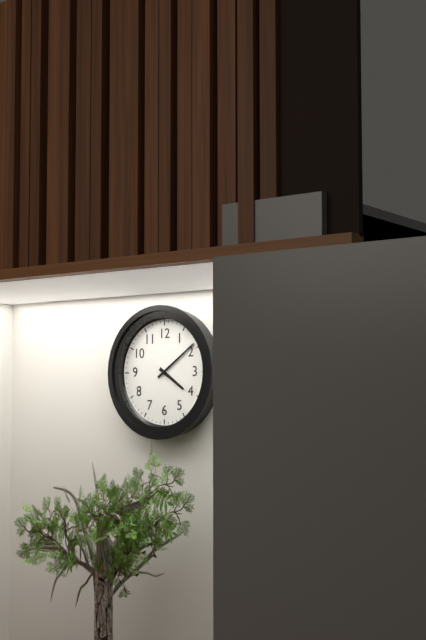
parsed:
4,09
